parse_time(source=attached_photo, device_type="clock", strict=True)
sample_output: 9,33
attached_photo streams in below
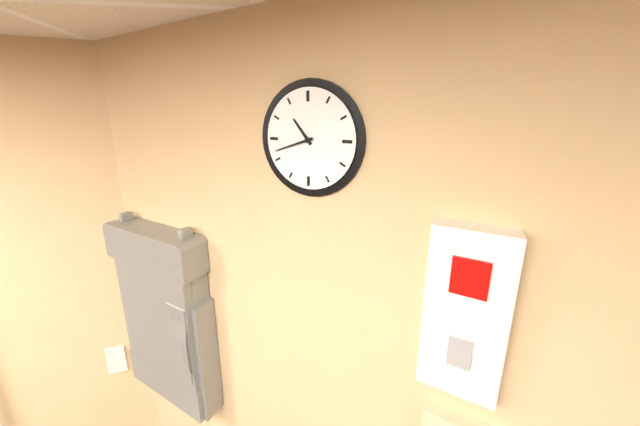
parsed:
10,42
